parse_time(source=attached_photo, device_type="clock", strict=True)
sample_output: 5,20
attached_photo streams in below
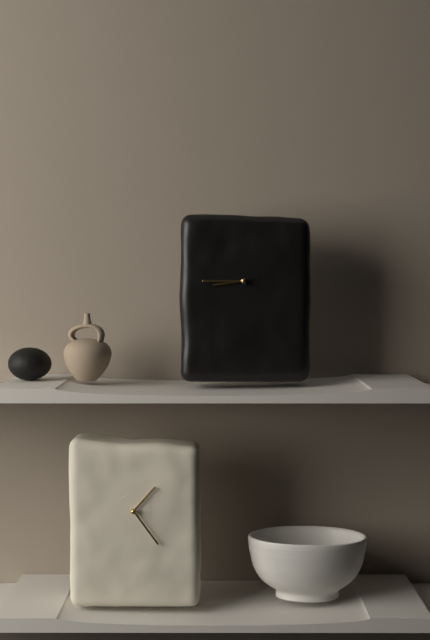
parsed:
8,45
